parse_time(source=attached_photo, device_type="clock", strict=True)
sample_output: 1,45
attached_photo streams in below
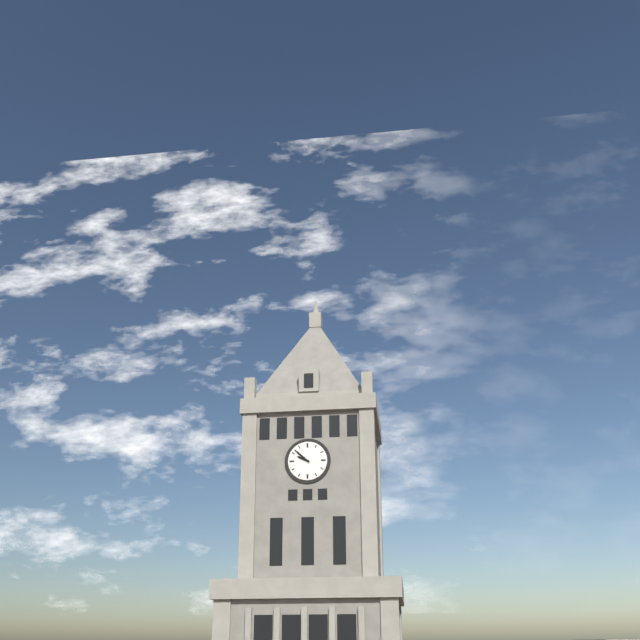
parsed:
9,52
